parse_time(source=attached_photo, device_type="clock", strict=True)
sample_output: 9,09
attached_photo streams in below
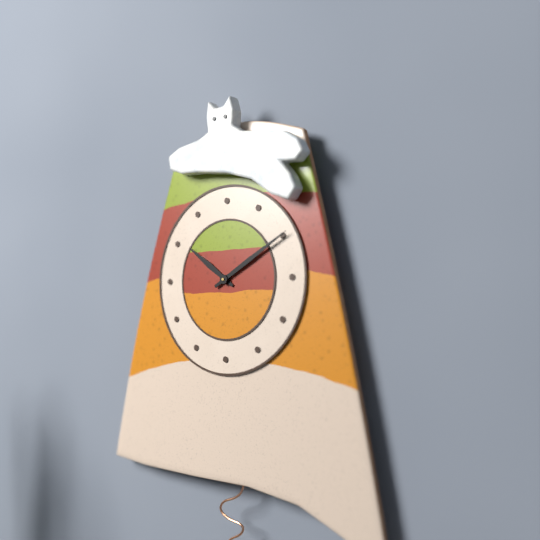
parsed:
10,10
